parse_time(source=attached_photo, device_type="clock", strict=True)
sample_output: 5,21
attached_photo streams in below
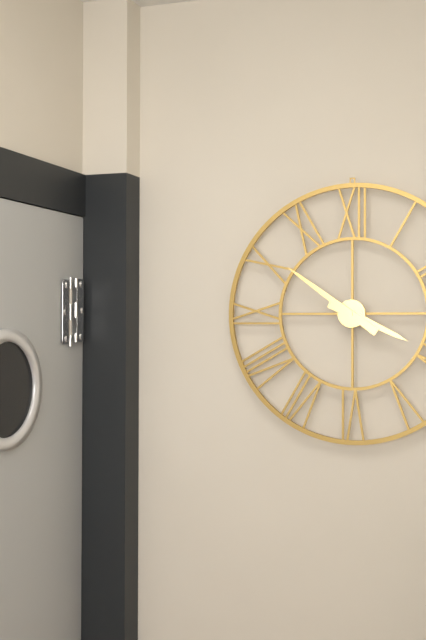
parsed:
3,51
